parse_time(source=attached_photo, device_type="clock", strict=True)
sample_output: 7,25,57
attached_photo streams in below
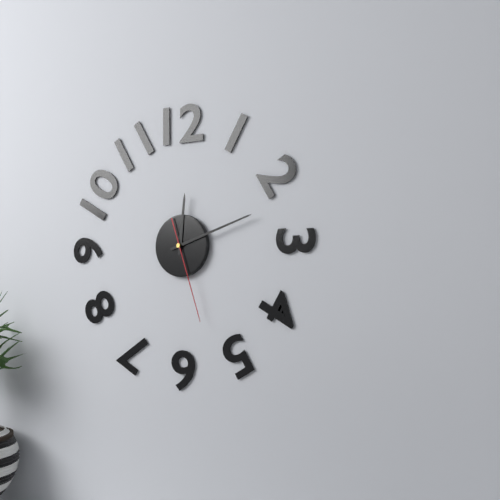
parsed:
12,12,27
